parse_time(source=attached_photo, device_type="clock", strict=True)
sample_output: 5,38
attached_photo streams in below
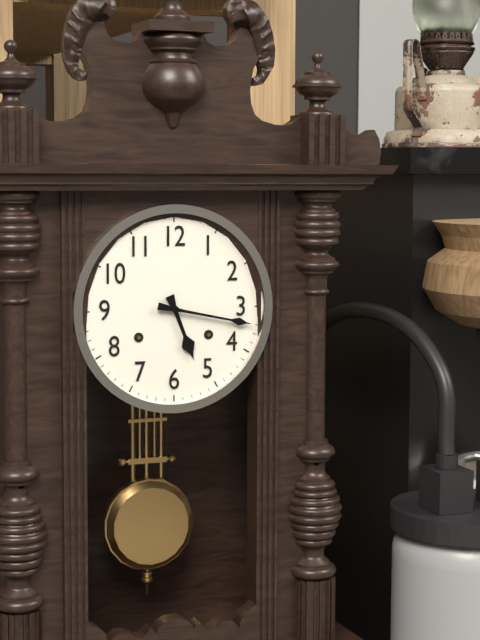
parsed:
5,17
